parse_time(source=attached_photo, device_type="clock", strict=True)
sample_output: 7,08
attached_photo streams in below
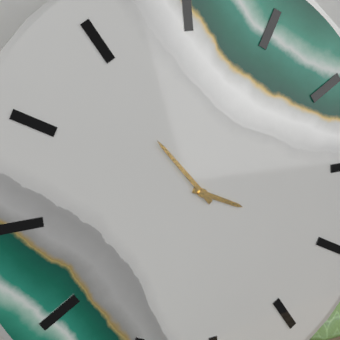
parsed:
3,54
